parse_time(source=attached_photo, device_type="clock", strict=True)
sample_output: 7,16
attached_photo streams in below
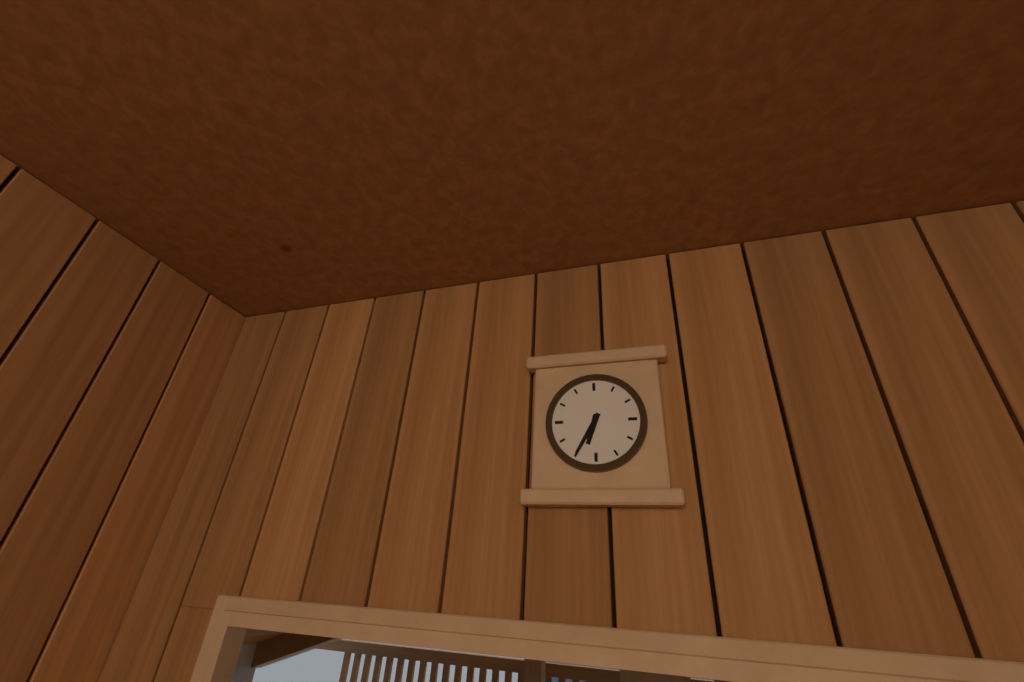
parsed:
6,35
